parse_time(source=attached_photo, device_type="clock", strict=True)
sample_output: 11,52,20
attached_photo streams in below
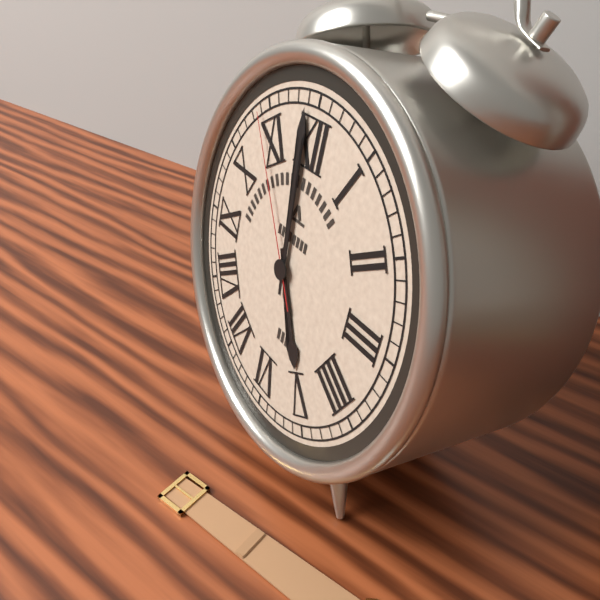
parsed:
4,59,54
